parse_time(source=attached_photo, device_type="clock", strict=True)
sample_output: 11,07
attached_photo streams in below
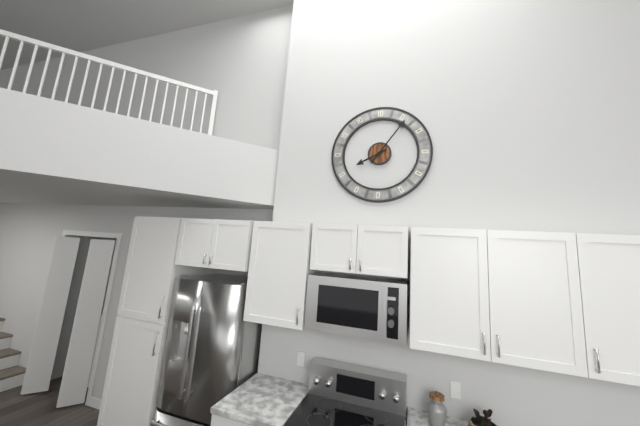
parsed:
8,06
